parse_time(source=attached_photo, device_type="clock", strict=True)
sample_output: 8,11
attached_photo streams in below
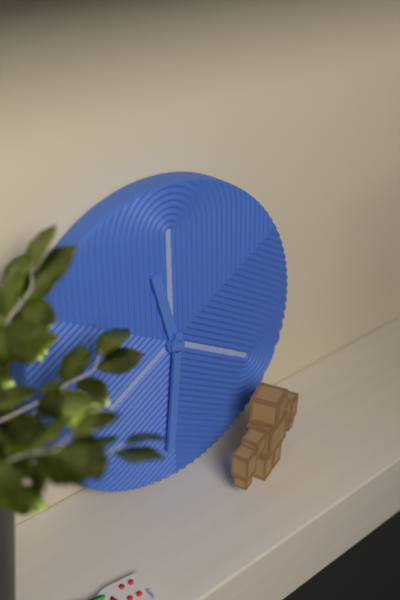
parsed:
11,31
